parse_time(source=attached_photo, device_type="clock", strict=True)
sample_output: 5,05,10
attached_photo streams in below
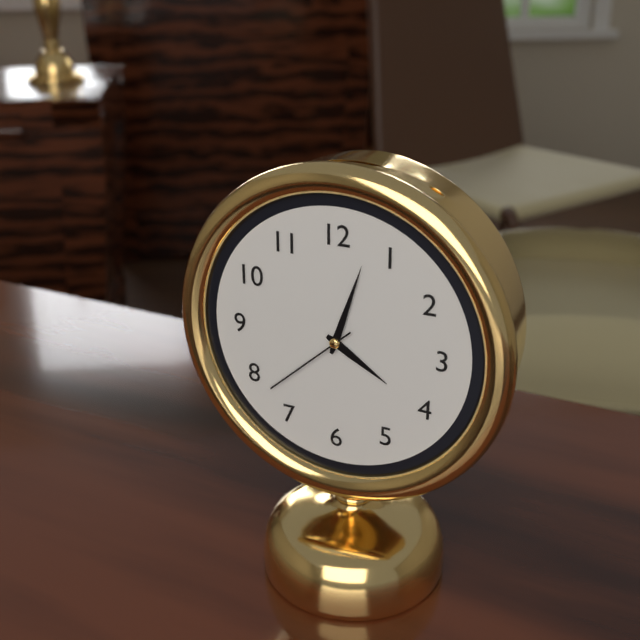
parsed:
4,03,38
